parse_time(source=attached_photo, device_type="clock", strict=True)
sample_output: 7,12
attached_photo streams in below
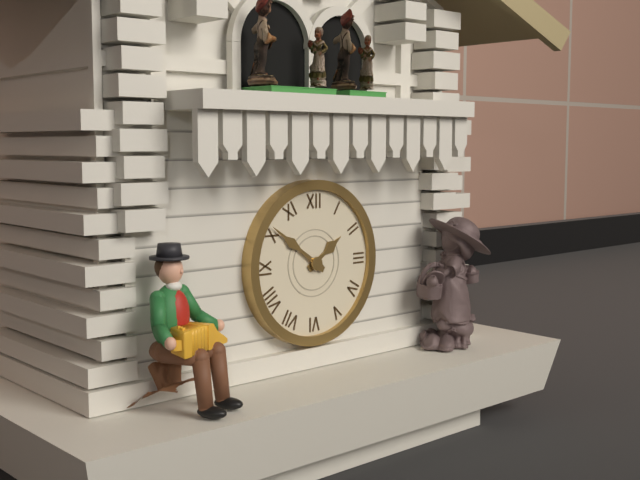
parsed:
1,51
